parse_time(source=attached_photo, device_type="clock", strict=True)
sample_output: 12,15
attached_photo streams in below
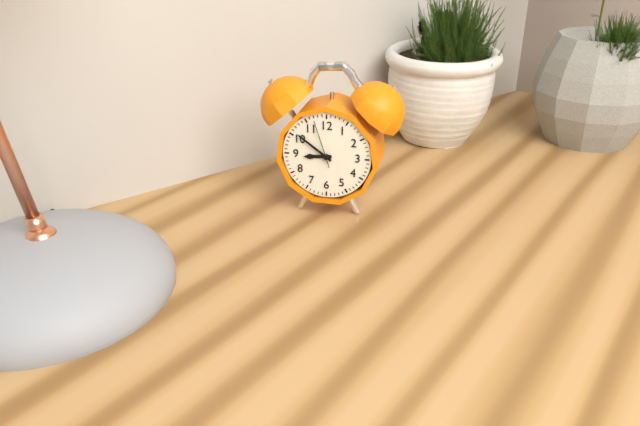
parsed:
8,51
